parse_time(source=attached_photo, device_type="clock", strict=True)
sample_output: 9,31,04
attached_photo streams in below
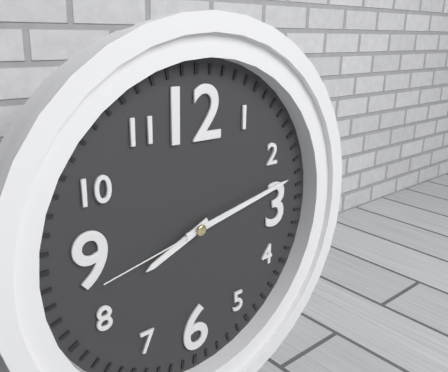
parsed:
8,13,43
